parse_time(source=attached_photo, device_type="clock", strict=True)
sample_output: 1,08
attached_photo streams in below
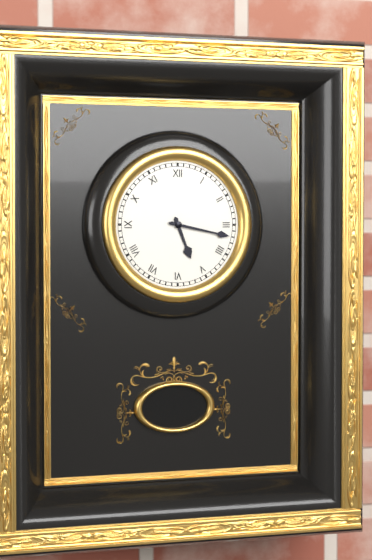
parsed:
5,17
